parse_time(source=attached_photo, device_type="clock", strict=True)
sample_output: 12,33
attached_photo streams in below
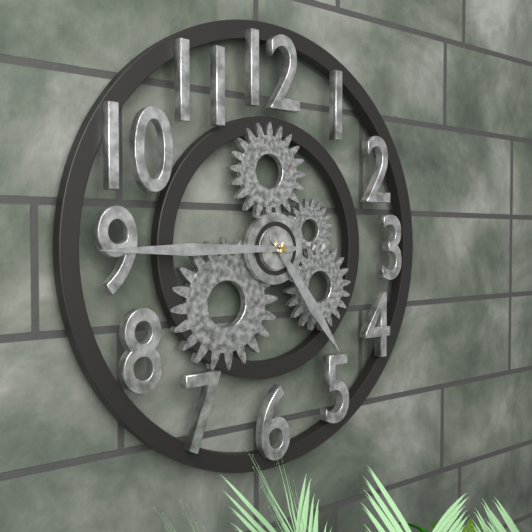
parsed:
4,45
